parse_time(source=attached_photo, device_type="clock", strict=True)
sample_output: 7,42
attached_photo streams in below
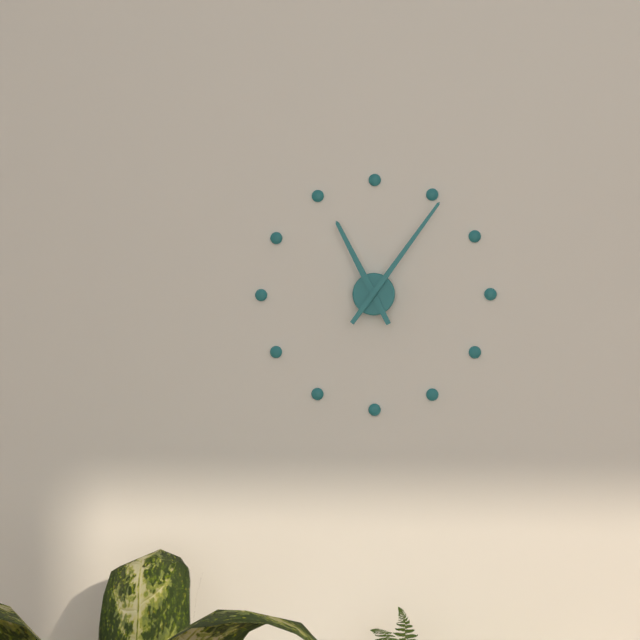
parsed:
11,06
